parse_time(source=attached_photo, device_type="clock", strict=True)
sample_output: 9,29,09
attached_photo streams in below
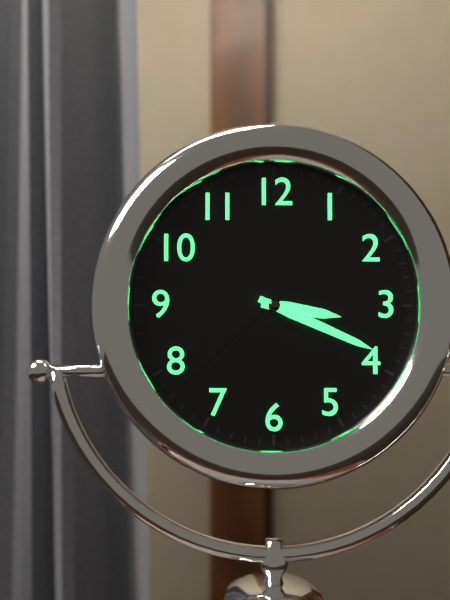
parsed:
3,19,38
